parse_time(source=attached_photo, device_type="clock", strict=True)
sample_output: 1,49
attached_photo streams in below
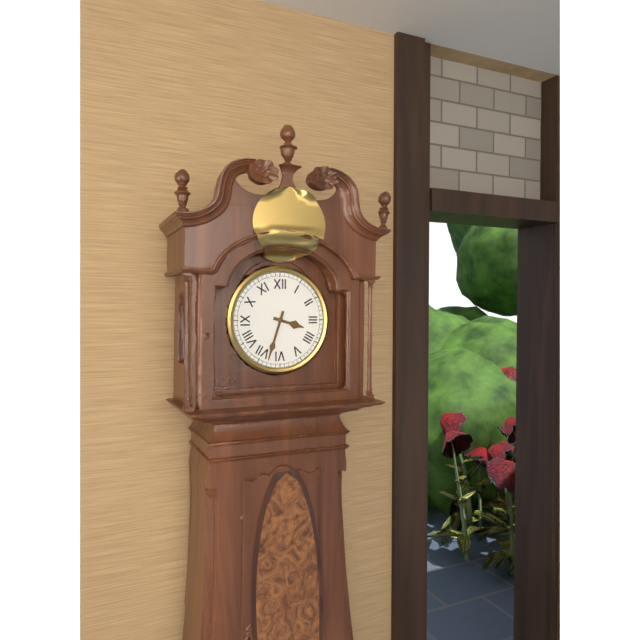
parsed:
3,33
